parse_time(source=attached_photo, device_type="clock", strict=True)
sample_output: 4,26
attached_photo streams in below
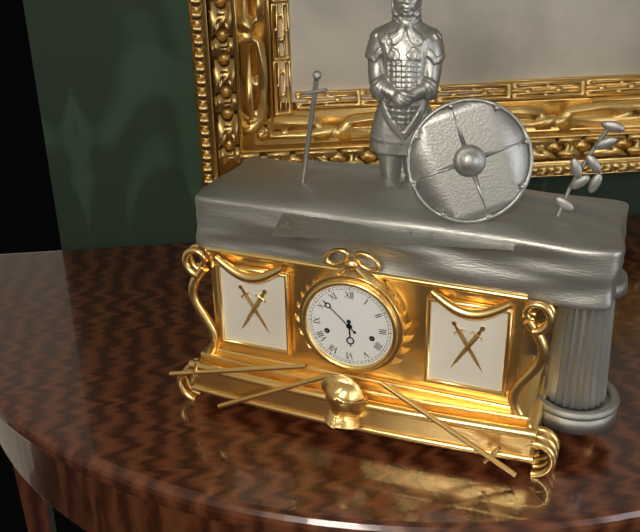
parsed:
5,52
